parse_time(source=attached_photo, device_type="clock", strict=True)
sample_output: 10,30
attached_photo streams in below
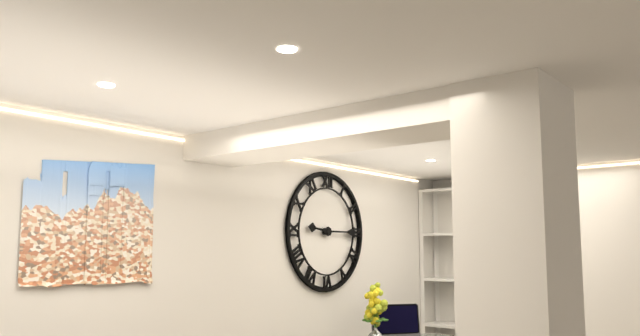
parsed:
9,15
